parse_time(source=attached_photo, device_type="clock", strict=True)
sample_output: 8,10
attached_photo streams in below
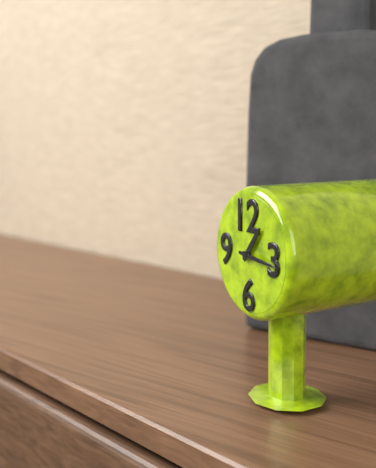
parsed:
1,16
